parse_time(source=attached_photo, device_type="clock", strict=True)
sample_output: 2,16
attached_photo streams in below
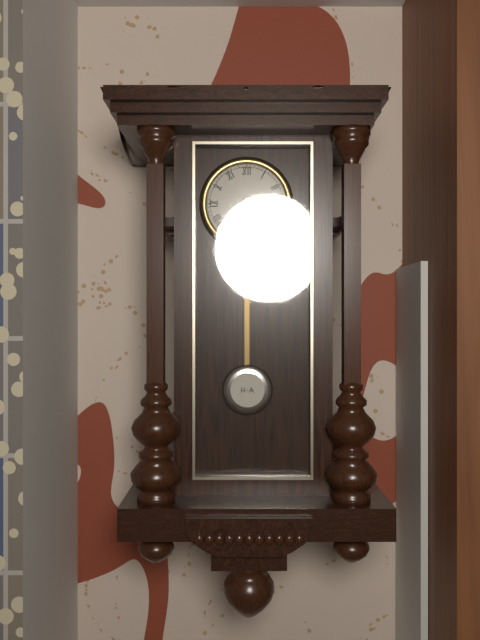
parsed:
5,15
